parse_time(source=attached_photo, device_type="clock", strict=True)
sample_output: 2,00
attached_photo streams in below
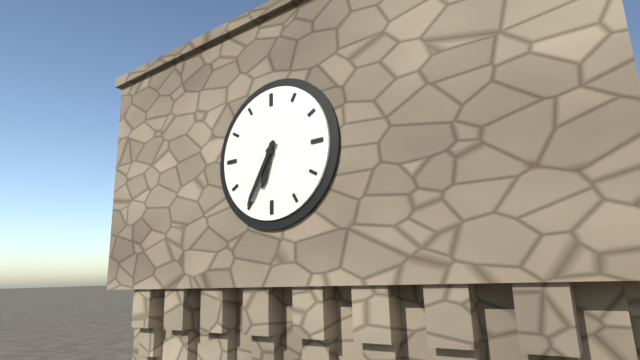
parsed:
6,35
